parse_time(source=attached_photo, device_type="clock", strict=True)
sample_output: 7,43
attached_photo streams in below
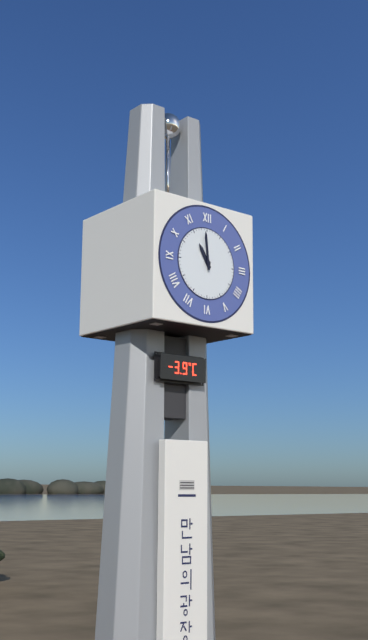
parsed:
10,59
